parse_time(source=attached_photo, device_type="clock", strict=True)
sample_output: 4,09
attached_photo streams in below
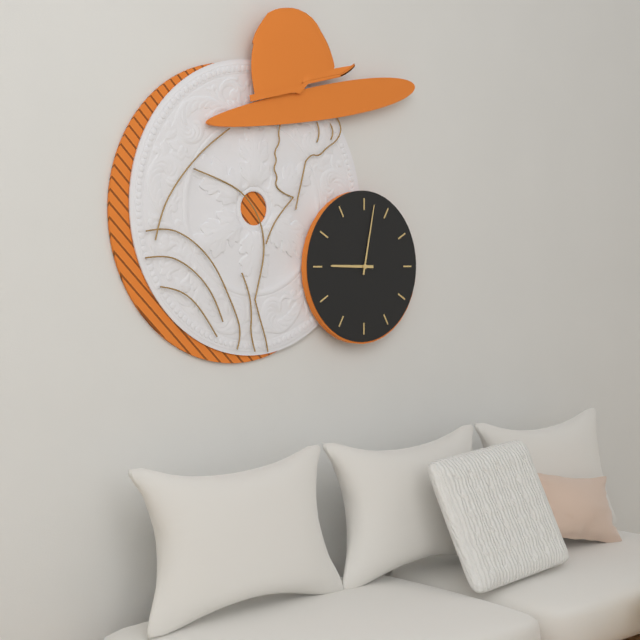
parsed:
9,02
